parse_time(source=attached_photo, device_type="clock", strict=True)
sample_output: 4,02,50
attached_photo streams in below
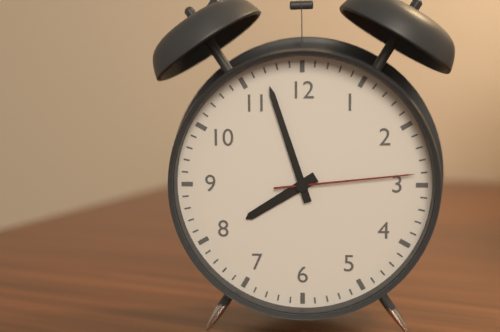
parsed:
7,57,14
